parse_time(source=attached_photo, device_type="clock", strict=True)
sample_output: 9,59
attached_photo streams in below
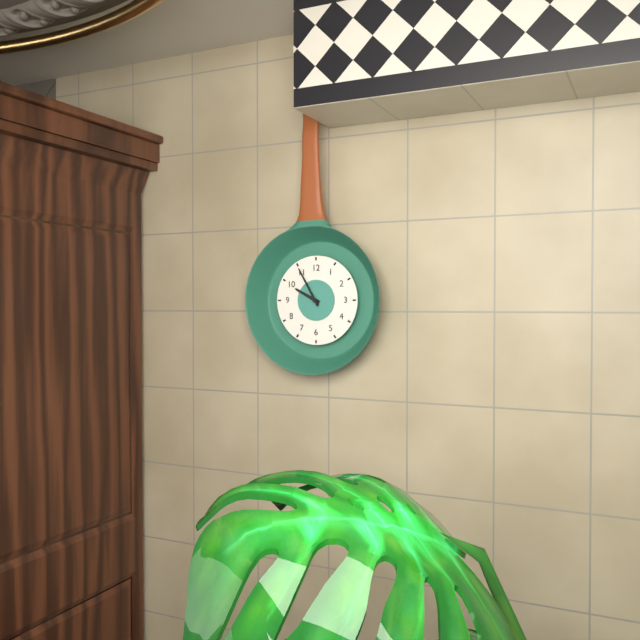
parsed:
9,55
